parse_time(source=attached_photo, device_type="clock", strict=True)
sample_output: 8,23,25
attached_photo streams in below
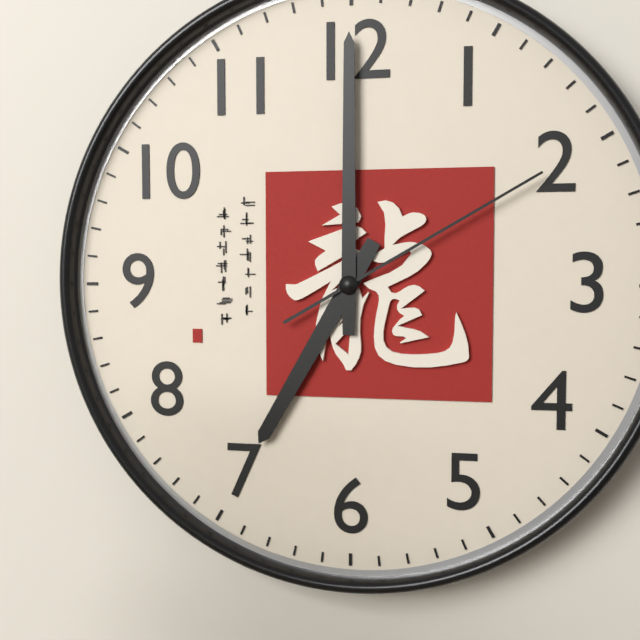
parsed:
7,00,10
